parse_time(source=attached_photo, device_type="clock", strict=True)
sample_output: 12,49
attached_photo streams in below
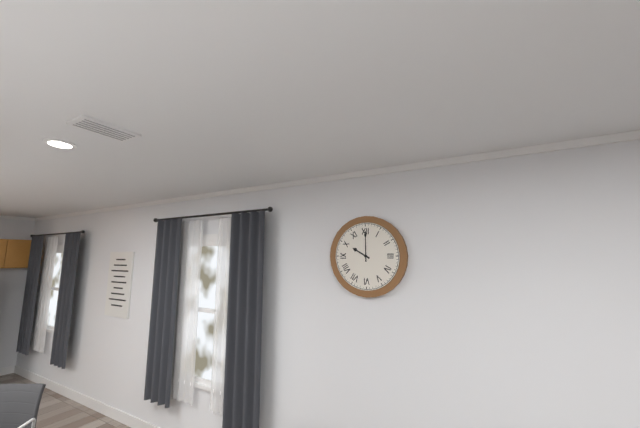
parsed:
10,00
